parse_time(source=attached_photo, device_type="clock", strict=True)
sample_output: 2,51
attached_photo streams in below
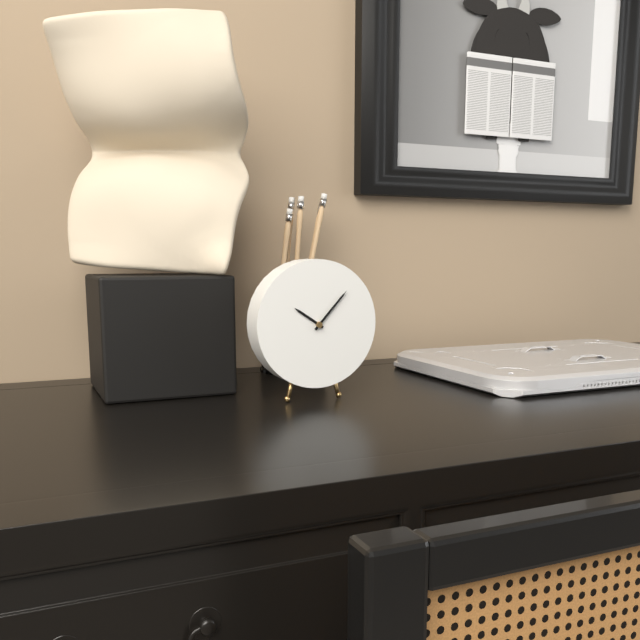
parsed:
10,07
